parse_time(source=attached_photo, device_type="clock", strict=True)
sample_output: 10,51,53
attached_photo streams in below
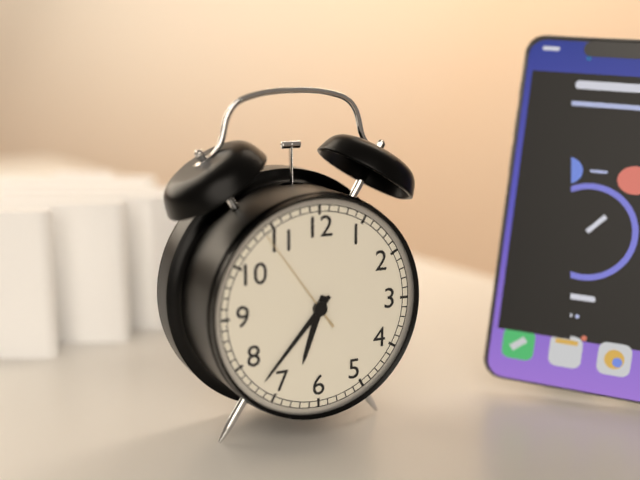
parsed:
6,37,54
